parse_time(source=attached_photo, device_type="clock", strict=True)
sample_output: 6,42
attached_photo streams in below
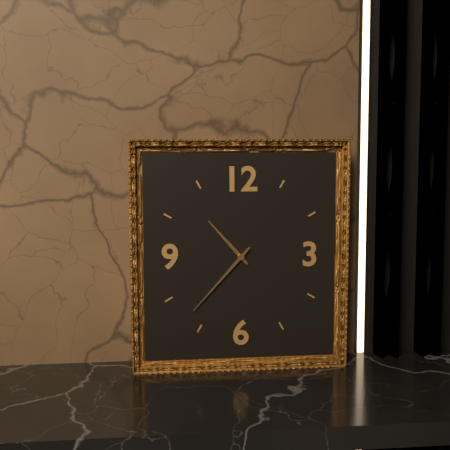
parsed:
10,37
